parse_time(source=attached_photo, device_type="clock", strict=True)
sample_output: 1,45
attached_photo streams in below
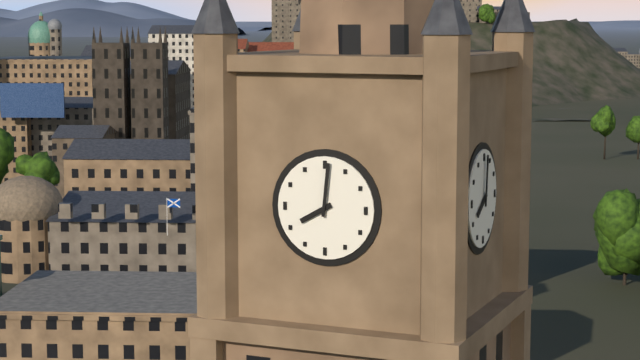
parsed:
8,01
